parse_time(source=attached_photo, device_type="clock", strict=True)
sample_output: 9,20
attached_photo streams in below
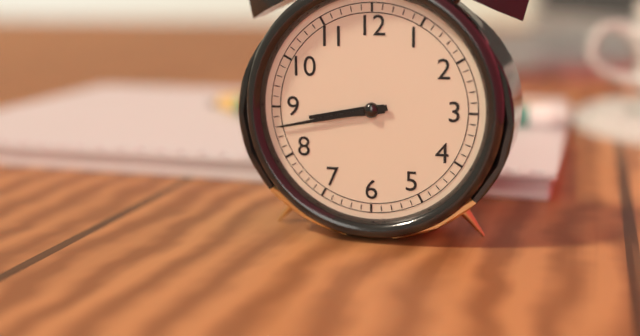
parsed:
8,43
